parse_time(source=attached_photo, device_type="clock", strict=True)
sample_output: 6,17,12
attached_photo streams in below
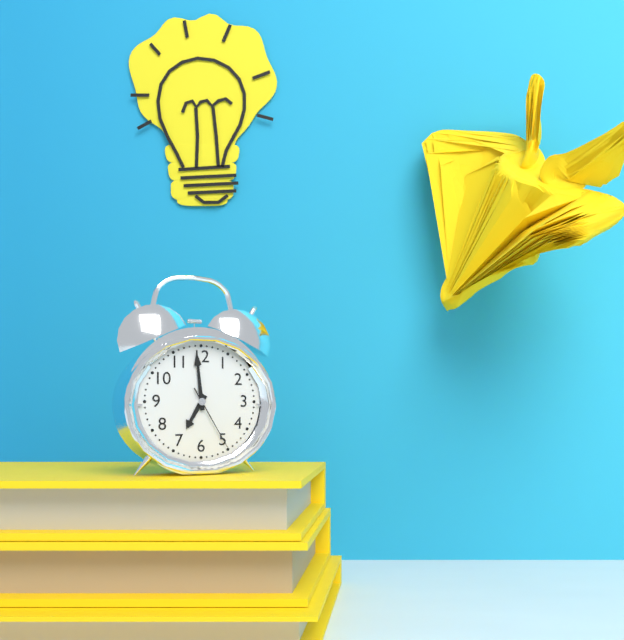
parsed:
6,59,25
